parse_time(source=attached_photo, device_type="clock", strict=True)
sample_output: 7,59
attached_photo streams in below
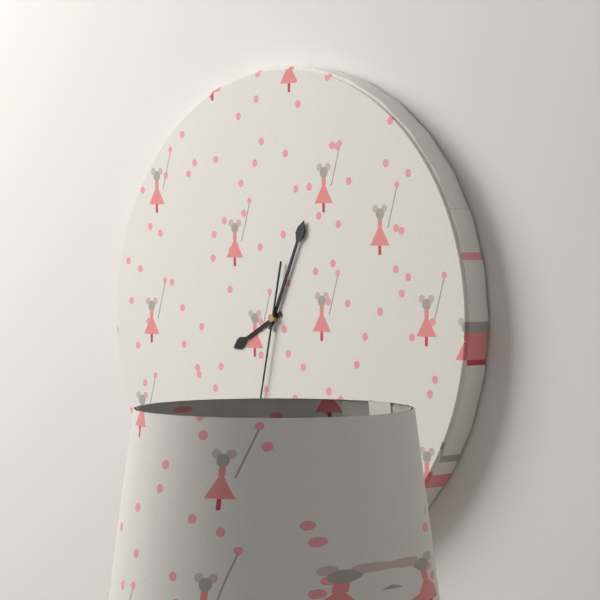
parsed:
8,04
